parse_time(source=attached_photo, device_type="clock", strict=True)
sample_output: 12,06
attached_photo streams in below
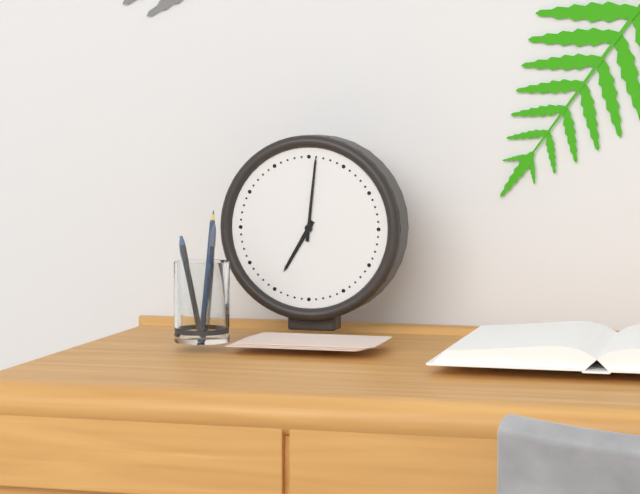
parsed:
7,01
